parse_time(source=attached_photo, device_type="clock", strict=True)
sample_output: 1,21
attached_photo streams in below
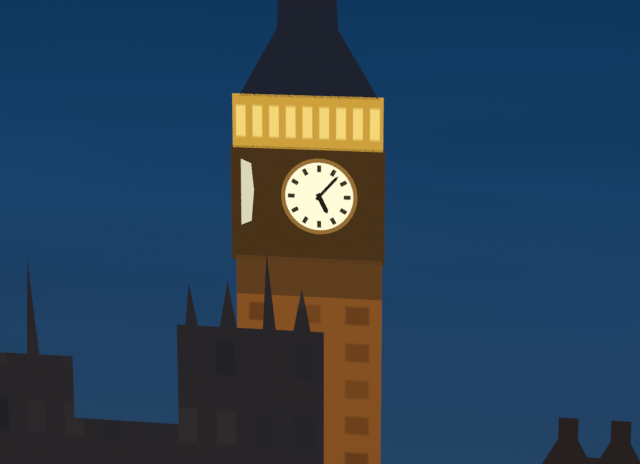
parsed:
5,07
